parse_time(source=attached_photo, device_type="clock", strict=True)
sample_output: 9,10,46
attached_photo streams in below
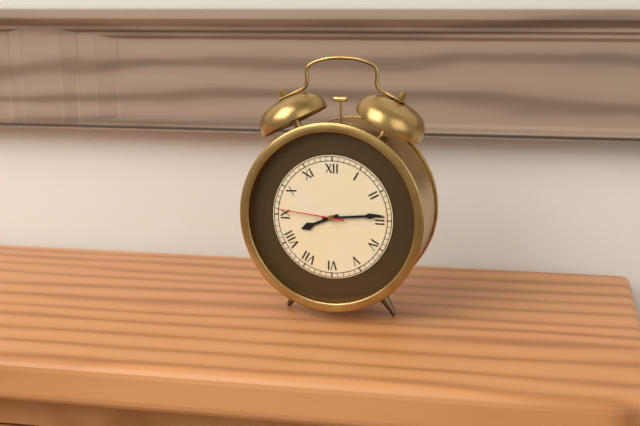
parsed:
8,14,46
